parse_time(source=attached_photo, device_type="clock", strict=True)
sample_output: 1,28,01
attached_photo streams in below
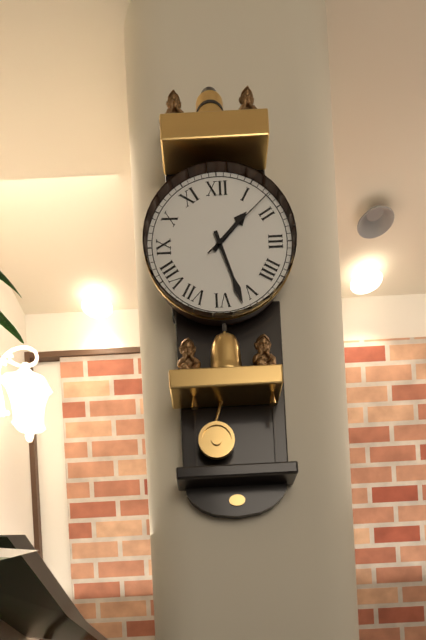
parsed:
1,27,08
